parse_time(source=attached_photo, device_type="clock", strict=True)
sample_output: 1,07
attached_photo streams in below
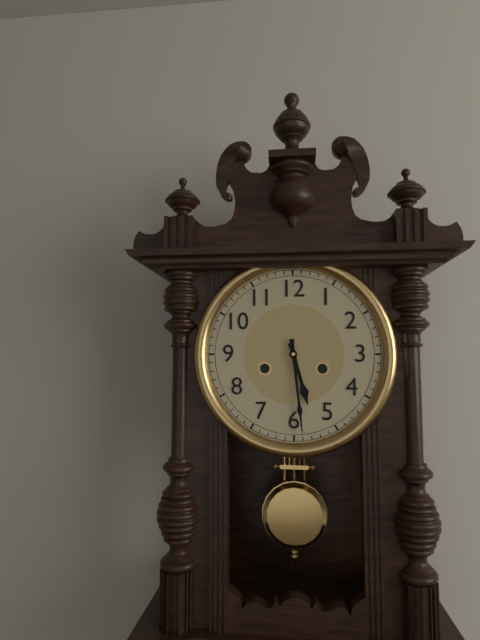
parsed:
5,29
